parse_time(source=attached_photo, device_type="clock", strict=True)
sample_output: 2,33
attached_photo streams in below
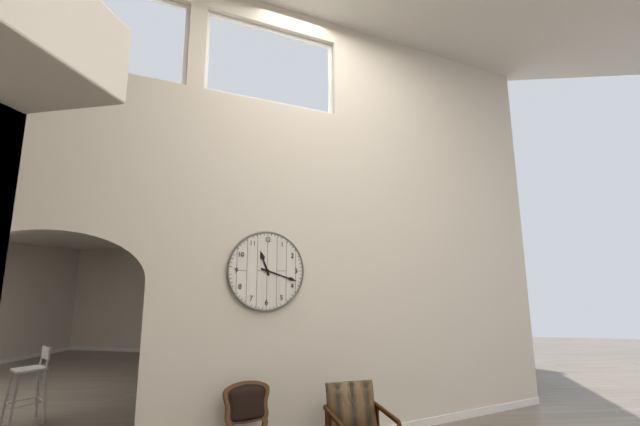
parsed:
11,18
